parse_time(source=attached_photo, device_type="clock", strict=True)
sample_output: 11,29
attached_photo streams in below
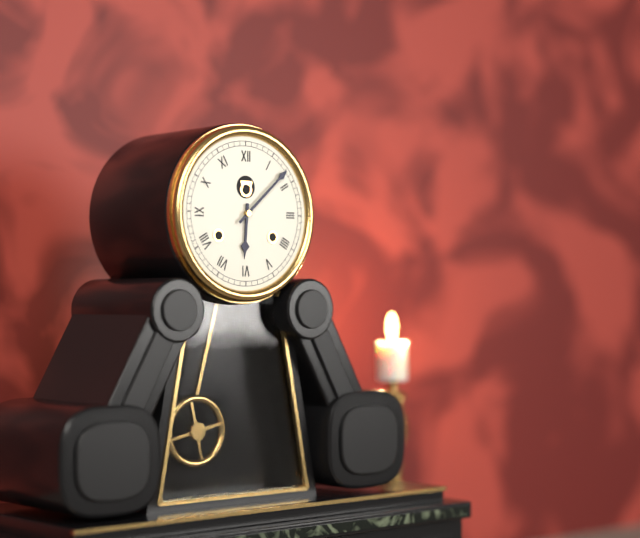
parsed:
6,08
